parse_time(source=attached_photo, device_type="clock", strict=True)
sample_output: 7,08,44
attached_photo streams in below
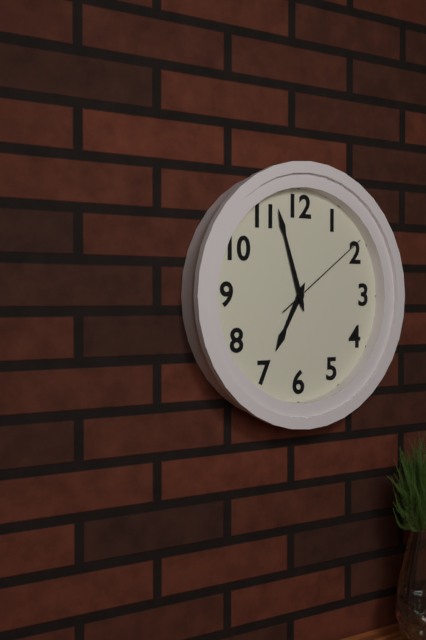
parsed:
6,57,09
